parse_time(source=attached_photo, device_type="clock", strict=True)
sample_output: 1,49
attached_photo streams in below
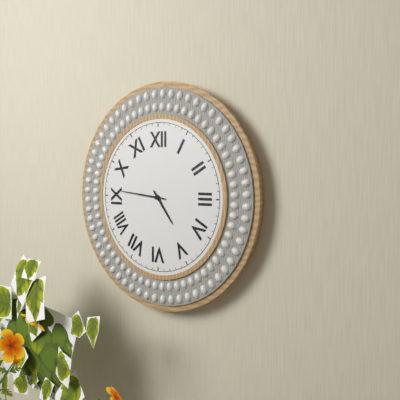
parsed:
4,46
